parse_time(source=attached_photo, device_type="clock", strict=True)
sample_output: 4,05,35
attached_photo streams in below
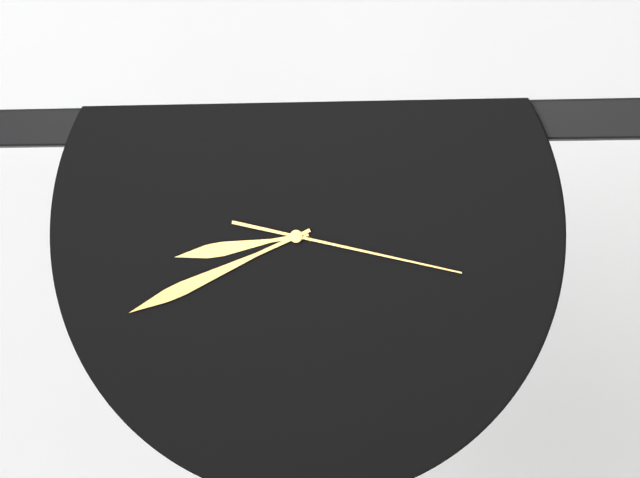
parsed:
8,41,17
